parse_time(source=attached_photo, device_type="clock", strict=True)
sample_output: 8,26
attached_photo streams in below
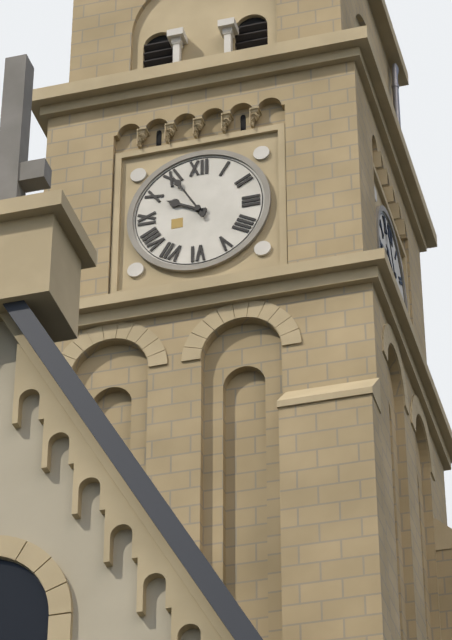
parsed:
9,55
